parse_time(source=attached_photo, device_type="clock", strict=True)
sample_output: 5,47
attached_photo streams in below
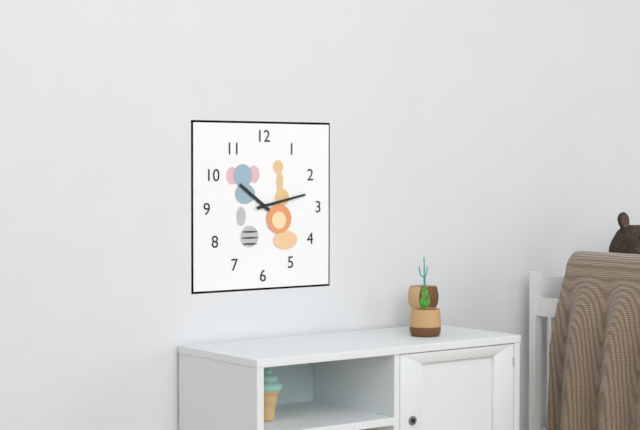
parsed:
10,13
